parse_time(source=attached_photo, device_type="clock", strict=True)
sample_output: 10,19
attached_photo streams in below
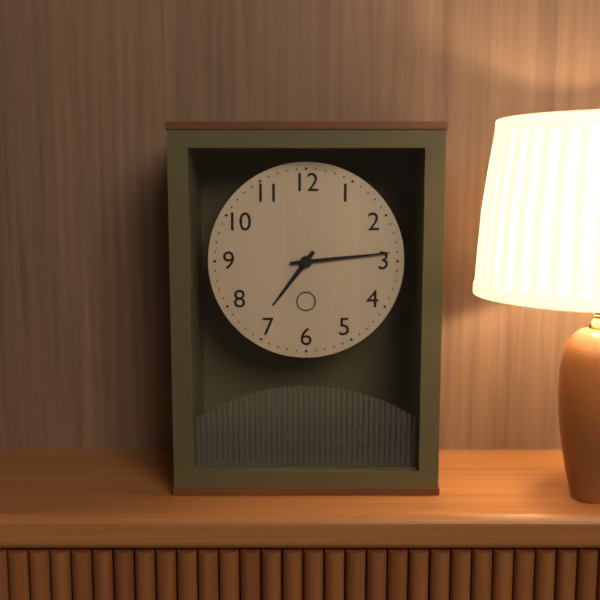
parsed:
7,14
